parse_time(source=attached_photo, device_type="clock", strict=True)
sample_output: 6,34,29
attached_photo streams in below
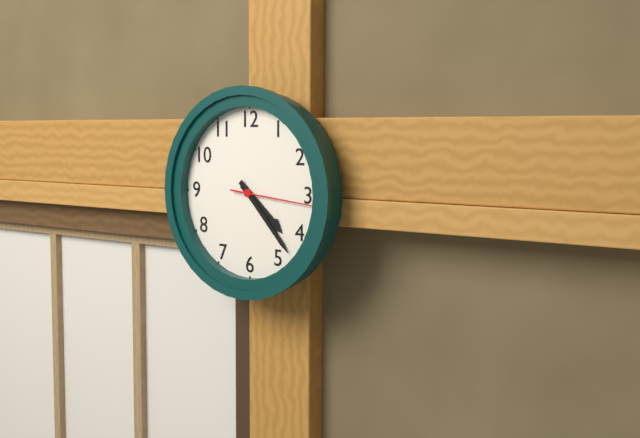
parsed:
4,23,16
